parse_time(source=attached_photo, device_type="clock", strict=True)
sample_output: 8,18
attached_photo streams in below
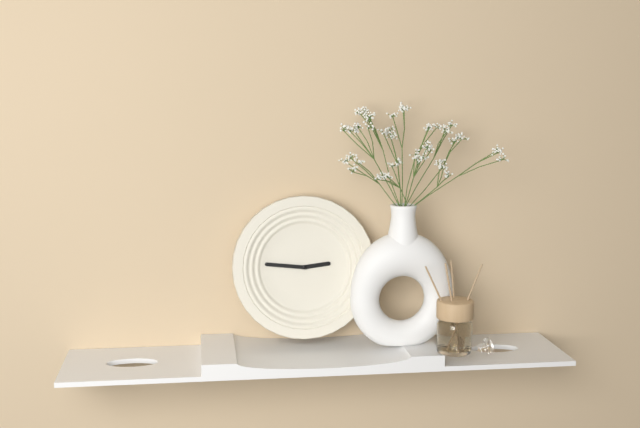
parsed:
2,46
